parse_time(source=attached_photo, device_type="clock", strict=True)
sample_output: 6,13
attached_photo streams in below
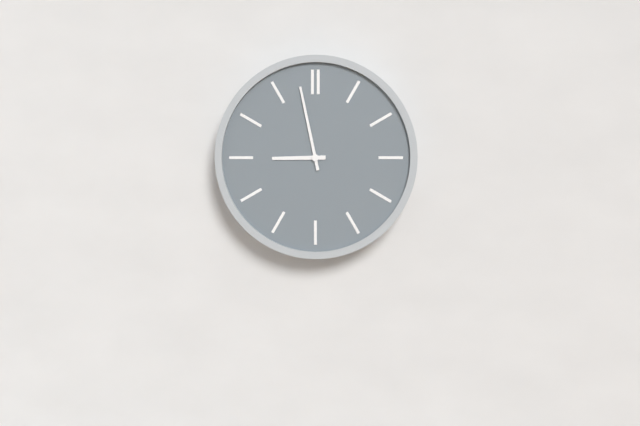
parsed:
8,58
